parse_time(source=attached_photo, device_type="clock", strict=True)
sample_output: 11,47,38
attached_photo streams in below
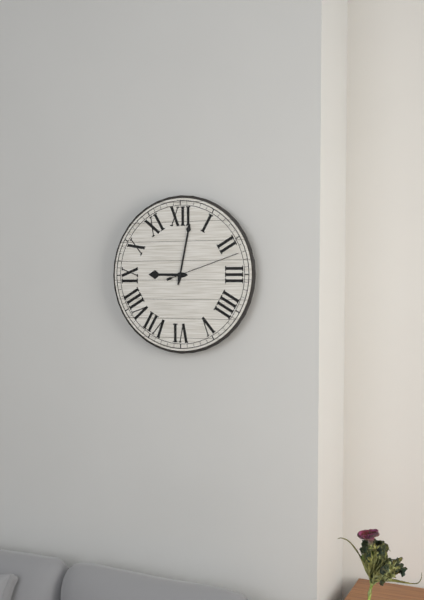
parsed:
9,02,12
